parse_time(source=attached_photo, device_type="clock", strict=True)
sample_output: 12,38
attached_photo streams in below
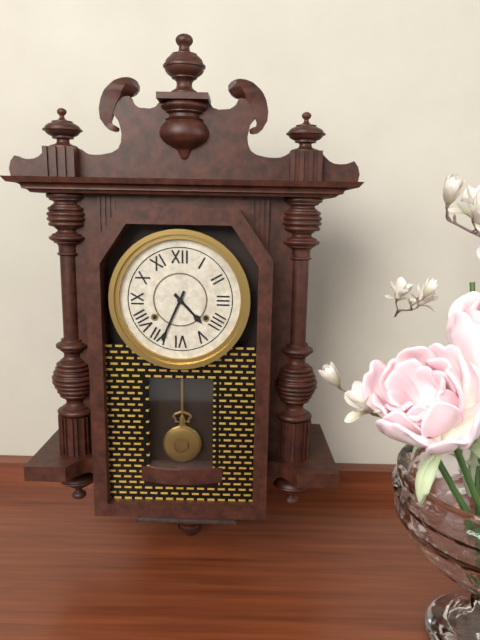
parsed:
4,34
